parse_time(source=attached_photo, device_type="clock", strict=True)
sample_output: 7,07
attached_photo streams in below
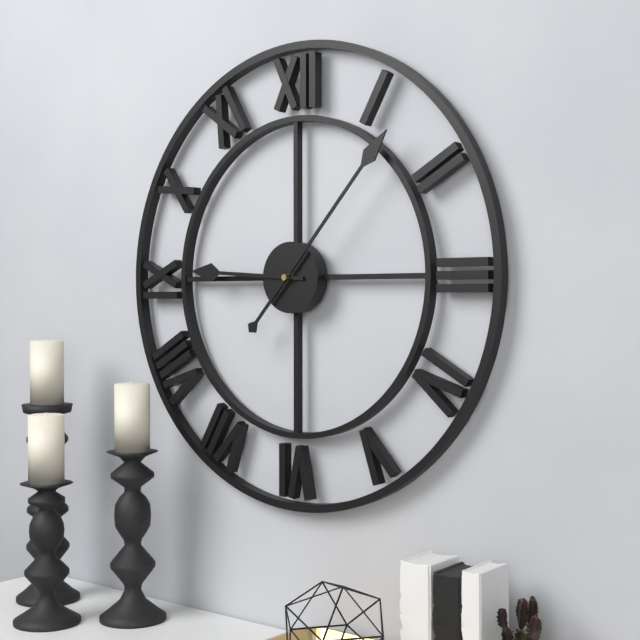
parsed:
9,07
